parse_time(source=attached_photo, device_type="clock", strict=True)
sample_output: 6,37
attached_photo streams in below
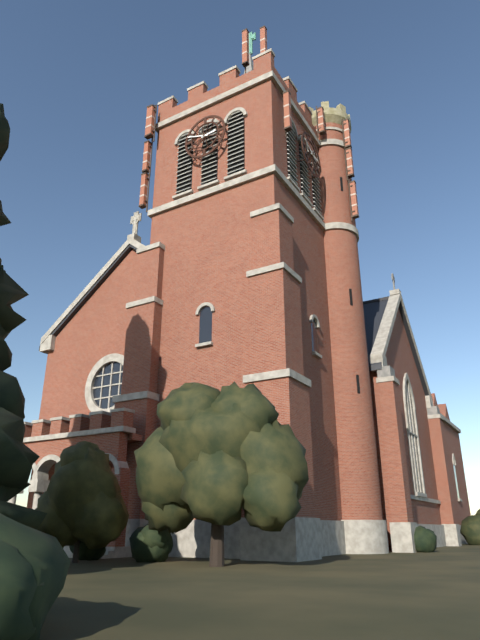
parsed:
2,48
